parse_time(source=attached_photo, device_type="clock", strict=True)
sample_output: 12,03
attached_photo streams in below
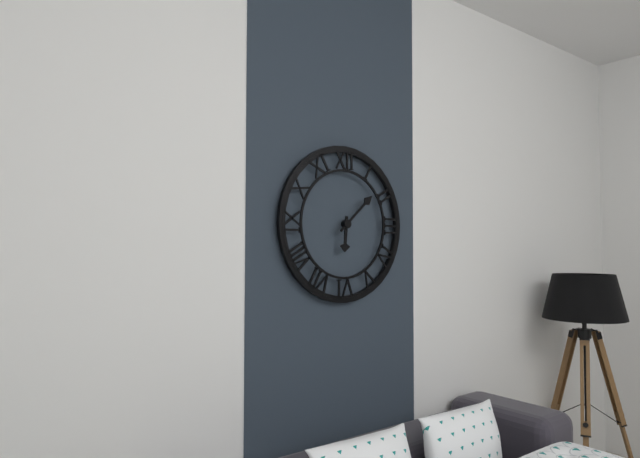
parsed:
6,08
